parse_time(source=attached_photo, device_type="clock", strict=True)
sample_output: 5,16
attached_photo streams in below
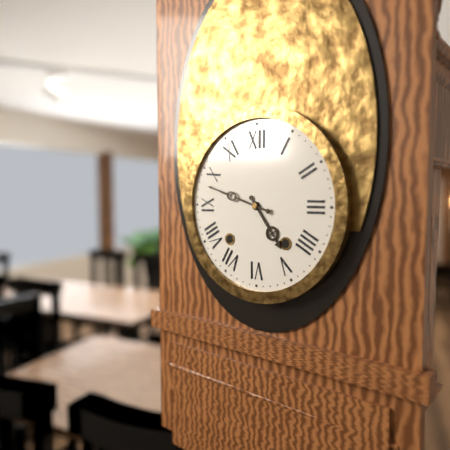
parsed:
4,48
